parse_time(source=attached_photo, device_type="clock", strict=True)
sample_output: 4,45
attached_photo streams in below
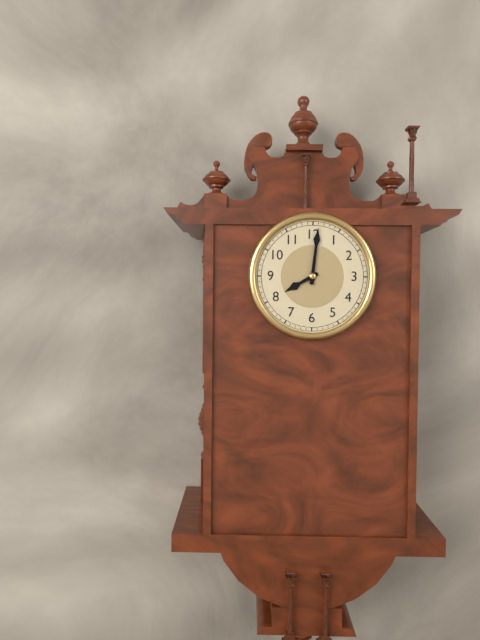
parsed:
8,01
